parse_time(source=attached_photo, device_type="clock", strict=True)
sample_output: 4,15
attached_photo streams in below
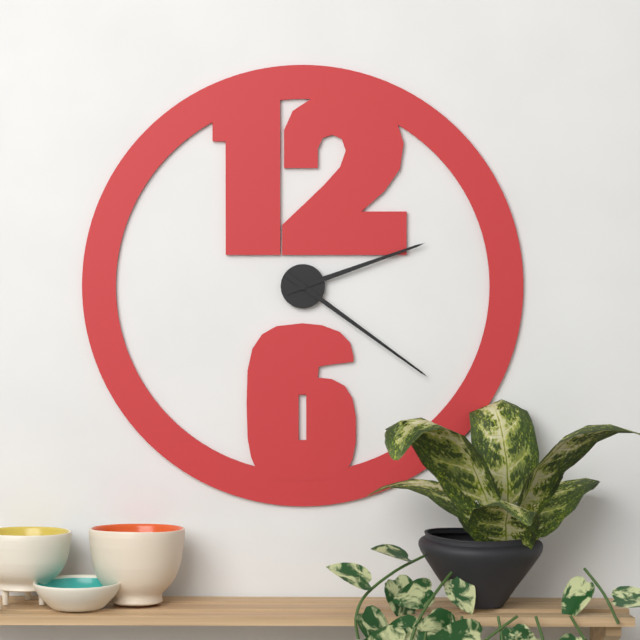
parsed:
2,21
